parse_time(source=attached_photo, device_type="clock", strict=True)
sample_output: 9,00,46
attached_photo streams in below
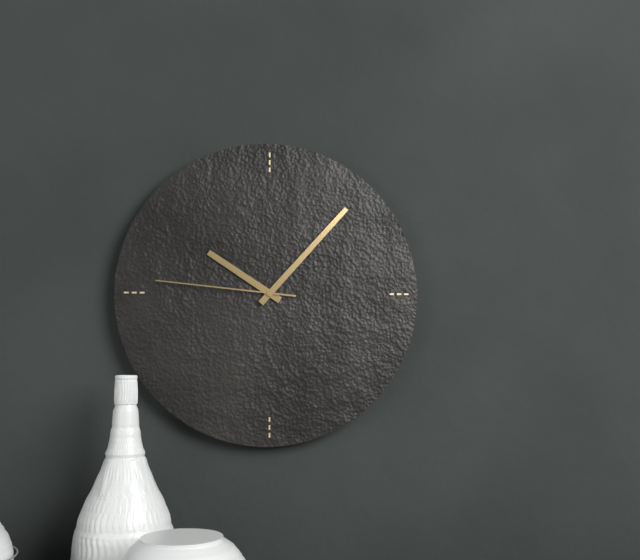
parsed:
10,07,46
